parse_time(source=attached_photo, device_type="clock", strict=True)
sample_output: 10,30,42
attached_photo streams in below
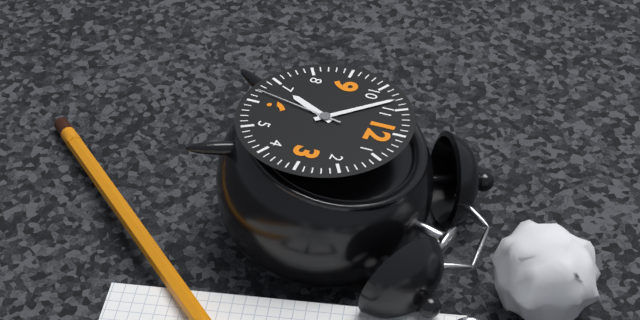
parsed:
6,53,32
